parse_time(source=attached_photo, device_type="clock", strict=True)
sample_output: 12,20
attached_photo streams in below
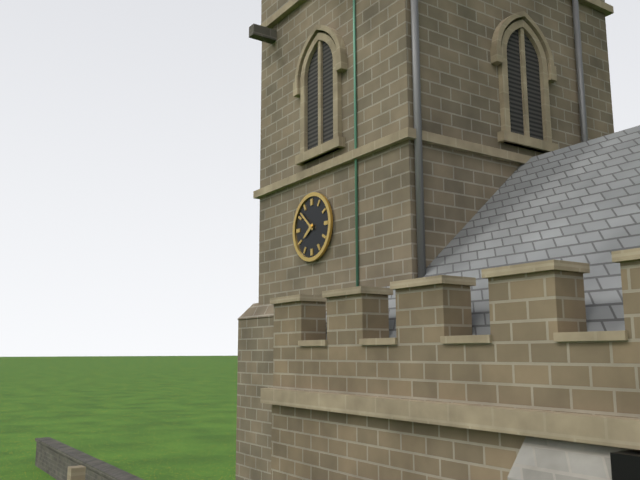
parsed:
7,52
